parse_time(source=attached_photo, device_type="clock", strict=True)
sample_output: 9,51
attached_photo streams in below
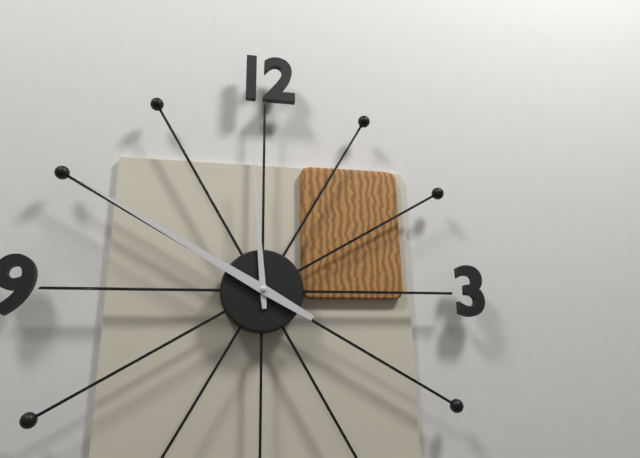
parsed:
11,50
